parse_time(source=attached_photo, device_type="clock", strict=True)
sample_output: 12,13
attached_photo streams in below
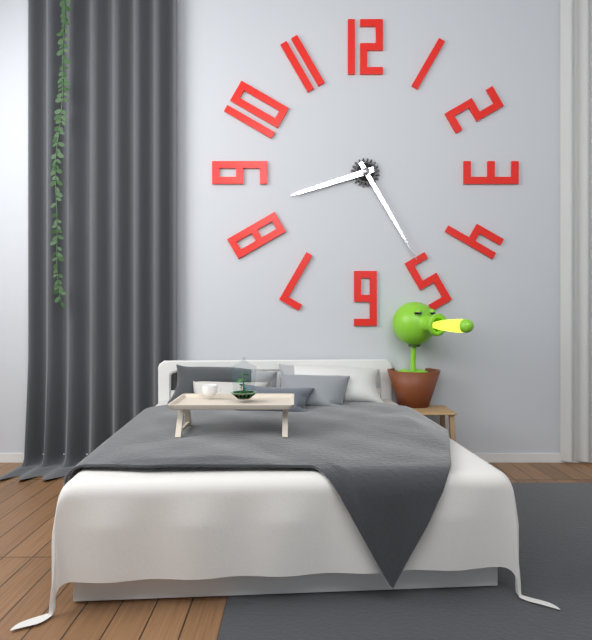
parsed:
8,25
